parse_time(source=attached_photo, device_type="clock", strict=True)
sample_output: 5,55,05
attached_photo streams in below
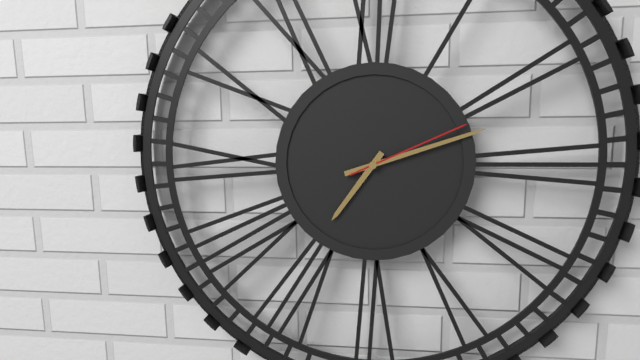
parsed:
7,12,11
